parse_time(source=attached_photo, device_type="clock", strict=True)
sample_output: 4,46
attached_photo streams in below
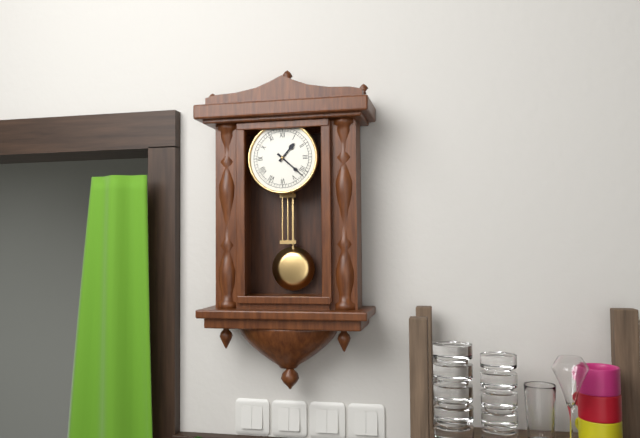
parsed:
1,22
